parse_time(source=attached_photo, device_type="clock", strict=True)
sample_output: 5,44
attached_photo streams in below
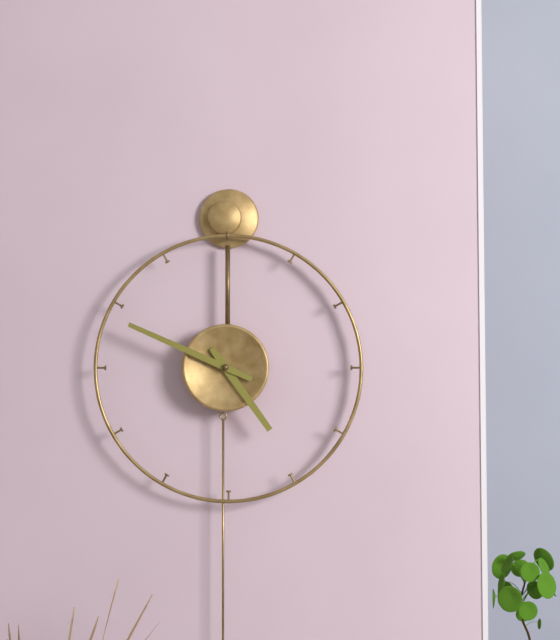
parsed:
4,49
